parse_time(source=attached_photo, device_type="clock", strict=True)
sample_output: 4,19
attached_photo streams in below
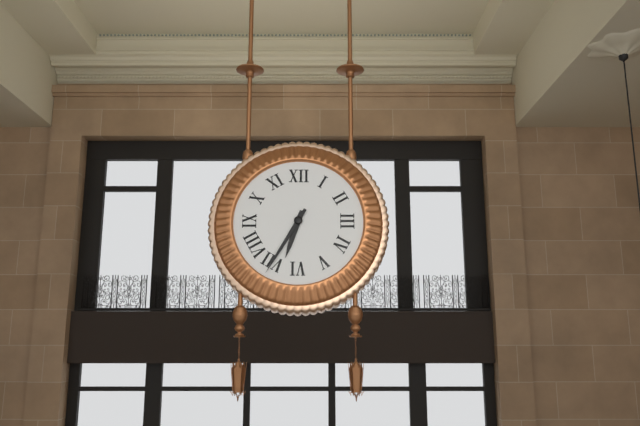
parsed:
6,35
